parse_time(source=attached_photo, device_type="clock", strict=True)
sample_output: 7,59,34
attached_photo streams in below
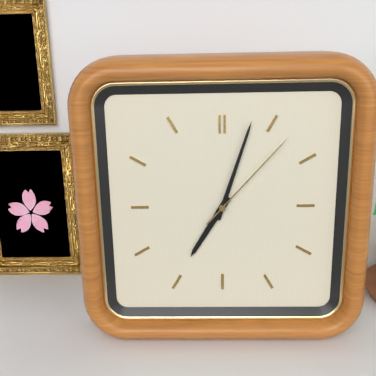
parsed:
7,03,07
